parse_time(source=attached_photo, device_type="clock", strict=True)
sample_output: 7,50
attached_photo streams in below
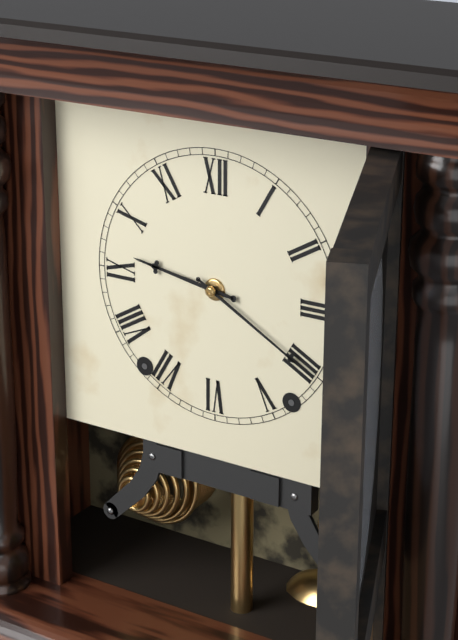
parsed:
9,20
